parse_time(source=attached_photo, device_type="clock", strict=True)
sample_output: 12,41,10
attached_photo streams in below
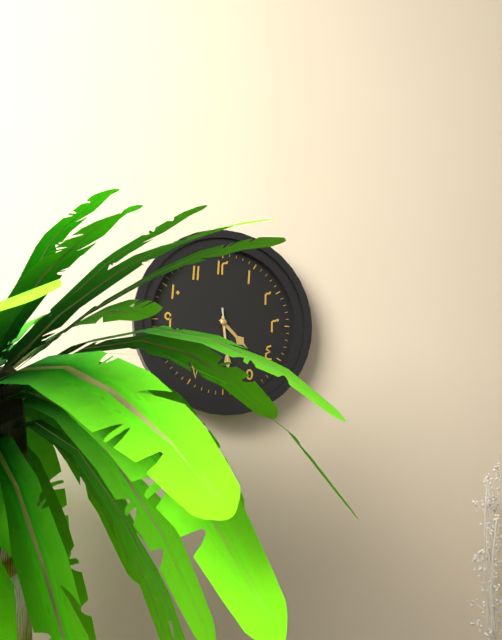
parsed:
4,29,29
